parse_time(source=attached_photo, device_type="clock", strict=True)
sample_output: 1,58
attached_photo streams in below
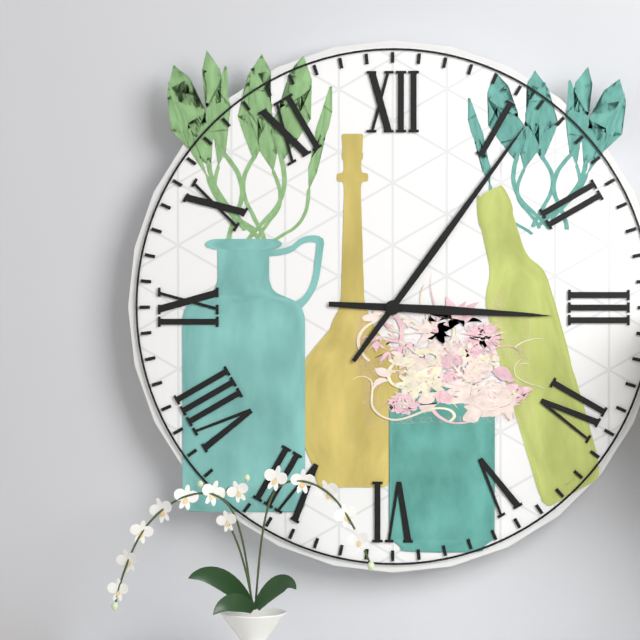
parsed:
3,06
